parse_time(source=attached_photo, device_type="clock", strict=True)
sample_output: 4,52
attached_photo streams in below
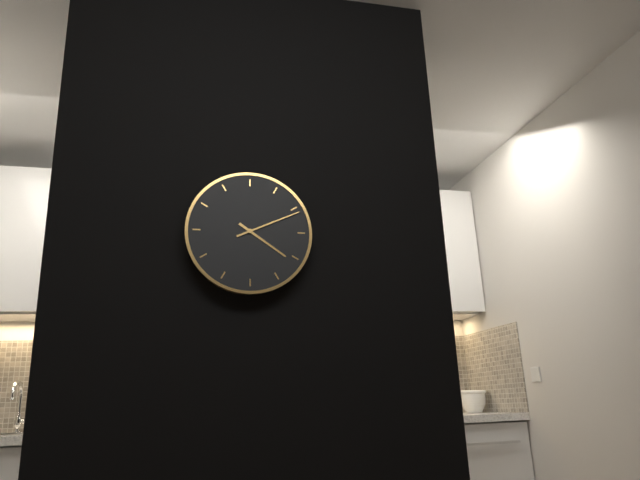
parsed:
4,11
